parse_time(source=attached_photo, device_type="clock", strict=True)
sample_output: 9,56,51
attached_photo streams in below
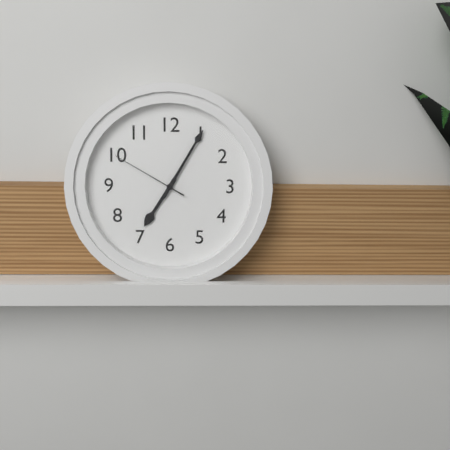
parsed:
7,05,50
